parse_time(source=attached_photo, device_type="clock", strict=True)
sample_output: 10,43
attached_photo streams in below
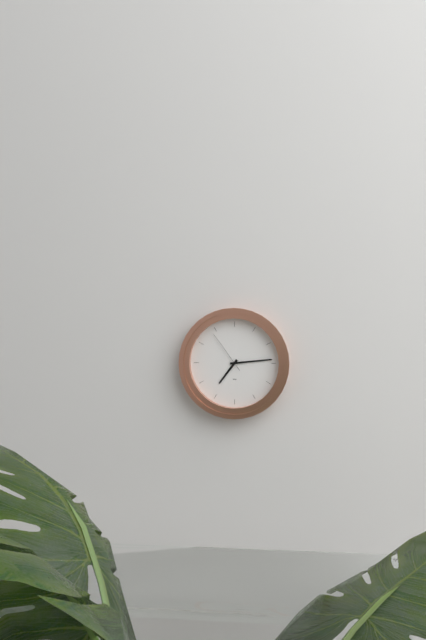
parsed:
7,14
